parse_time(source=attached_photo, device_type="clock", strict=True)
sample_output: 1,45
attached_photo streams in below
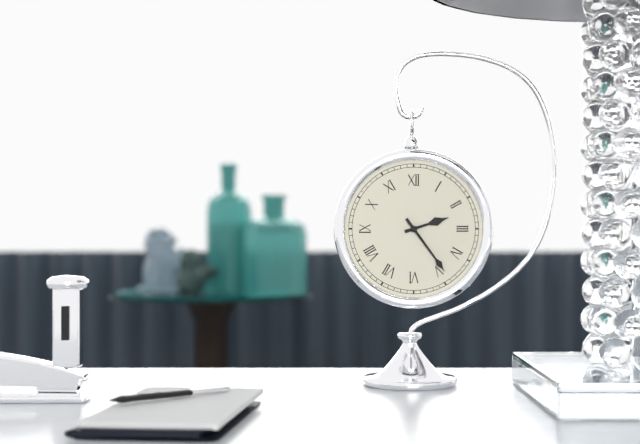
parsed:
2,24
